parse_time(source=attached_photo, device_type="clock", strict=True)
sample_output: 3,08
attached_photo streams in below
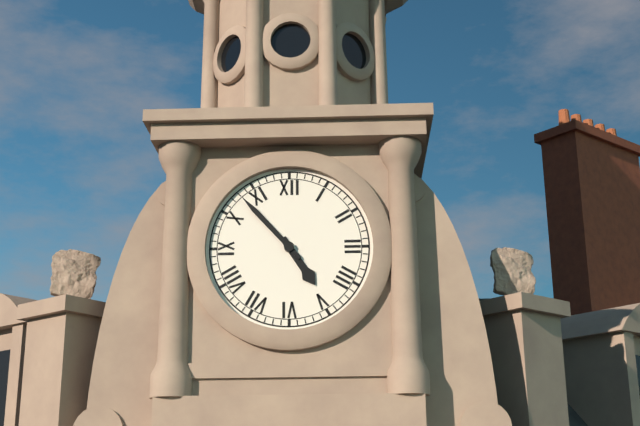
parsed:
4,53
